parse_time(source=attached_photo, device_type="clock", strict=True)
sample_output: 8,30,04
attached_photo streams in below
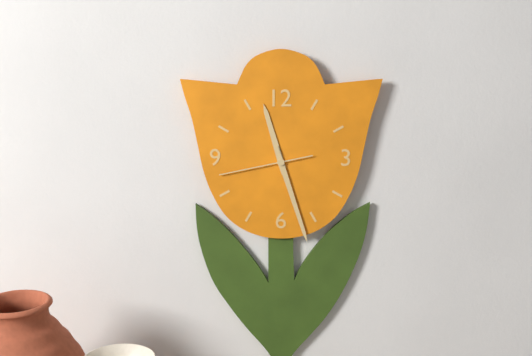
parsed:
11,27,43
